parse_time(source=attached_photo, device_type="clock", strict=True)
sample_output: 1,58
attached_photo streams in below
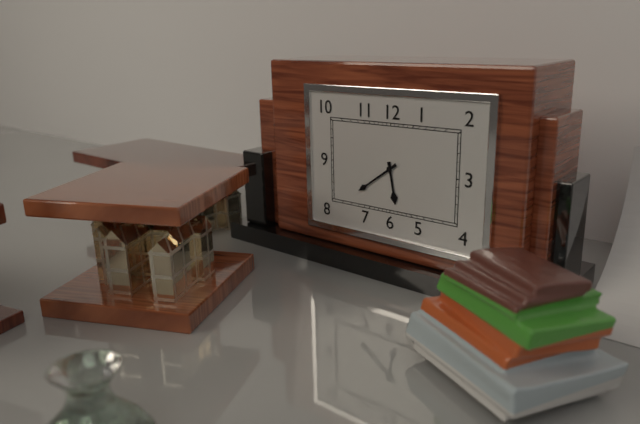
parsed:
5,39
